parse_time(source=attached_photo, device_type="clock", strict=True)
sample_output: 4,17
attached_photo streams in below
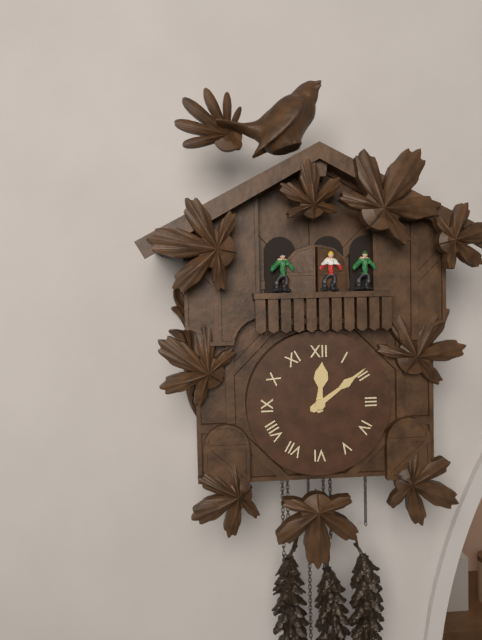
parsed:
12,09
